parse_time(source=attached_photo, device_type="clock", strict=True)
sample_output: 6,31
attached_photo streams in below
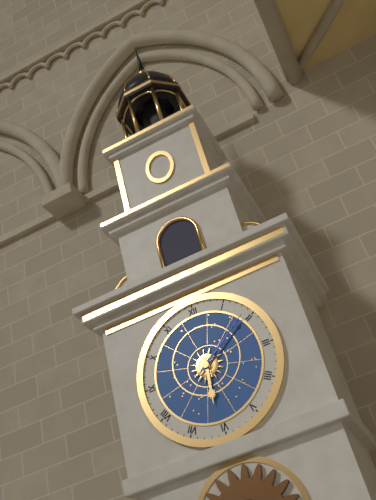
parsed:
6,09
